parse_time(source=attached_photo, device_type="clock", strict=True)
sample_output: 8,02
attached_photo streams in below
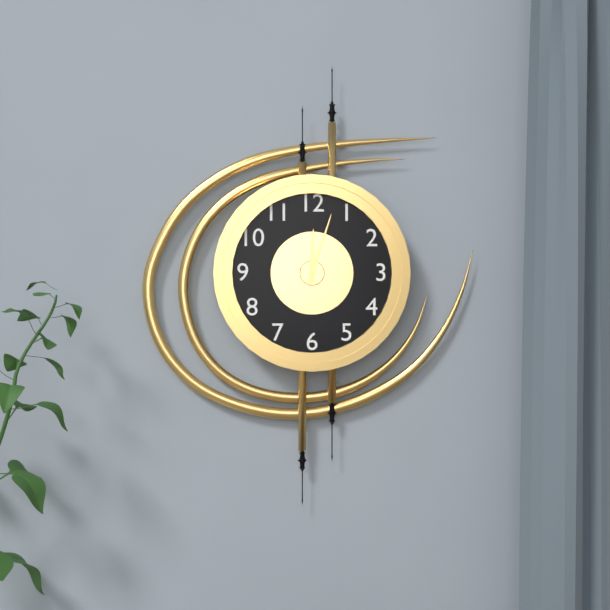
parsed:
12,03
